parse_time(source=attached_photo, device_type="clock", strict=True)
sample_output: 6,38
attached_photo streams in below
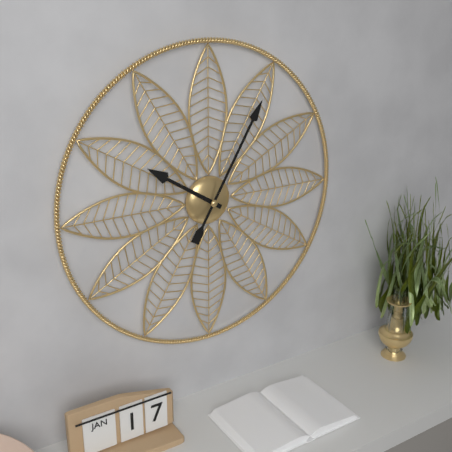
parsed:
10,05
